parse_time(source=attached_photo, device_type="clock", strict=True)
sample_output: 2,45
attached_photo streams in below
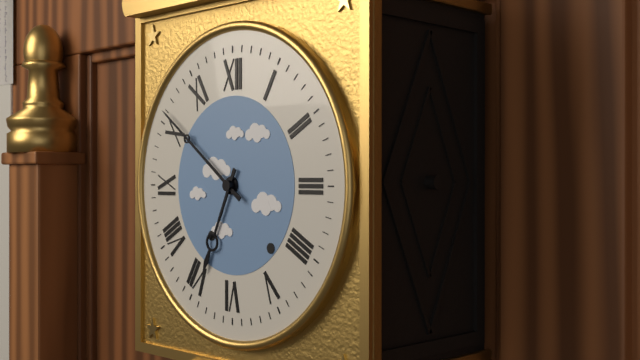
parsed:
6,51
